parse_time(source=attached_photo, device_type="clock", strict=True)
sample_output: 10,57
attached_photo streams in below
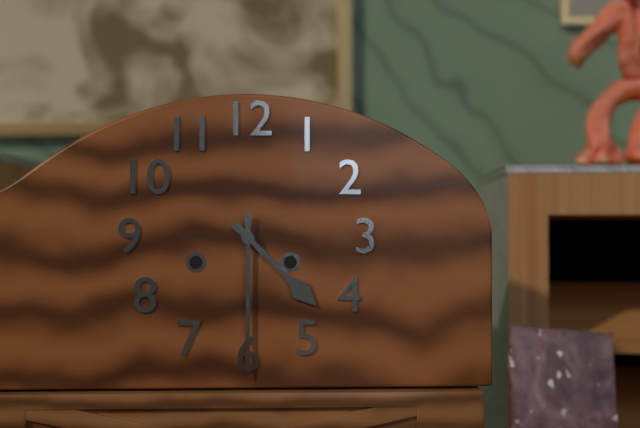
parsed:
4,30
